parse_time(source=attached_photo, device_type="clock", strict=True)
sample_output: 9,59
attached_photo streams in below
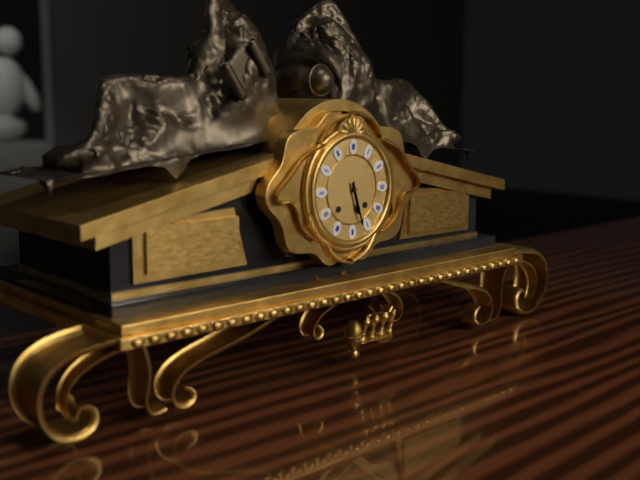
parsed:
5,27
